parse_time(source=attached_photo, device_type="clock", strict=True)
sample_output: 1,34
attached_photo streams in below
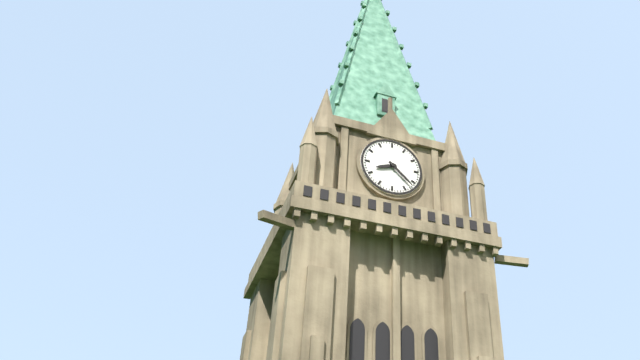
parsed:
8,22
